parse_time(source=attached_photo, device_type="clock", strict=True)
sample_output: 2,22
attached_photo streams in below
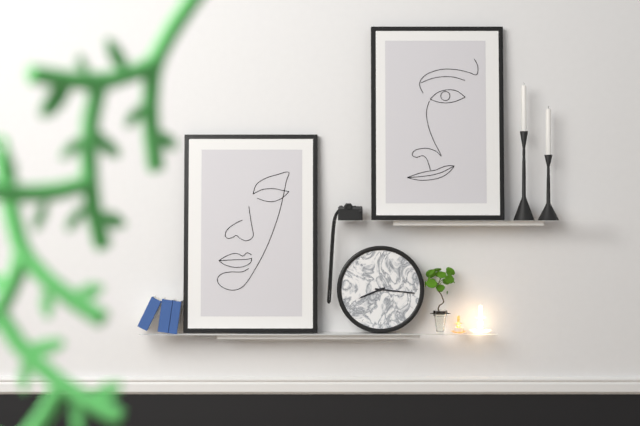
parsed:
8,16
